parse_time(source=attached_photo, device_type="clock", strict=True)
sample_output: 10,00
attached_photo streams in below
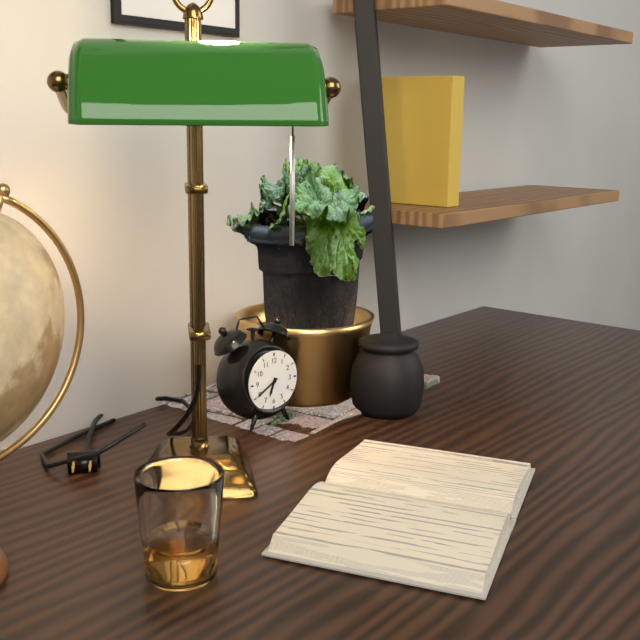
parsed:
6,40
